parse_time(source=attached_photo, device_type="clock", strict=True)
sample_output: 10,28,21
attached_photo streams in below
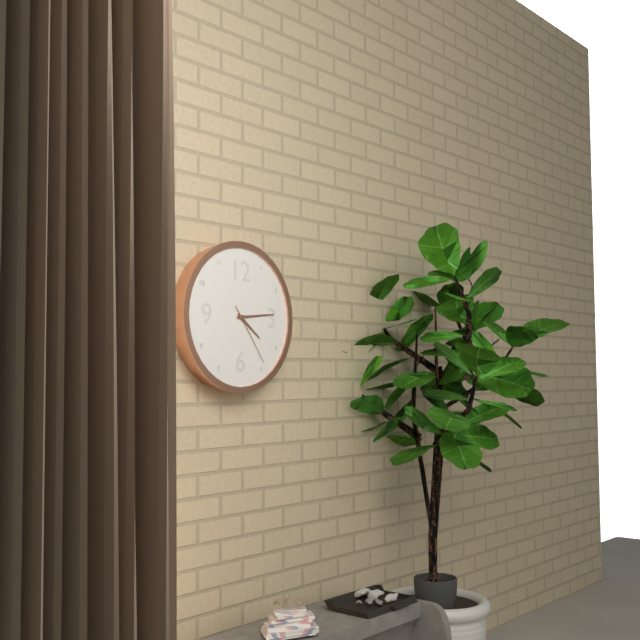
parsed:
4,14,24
